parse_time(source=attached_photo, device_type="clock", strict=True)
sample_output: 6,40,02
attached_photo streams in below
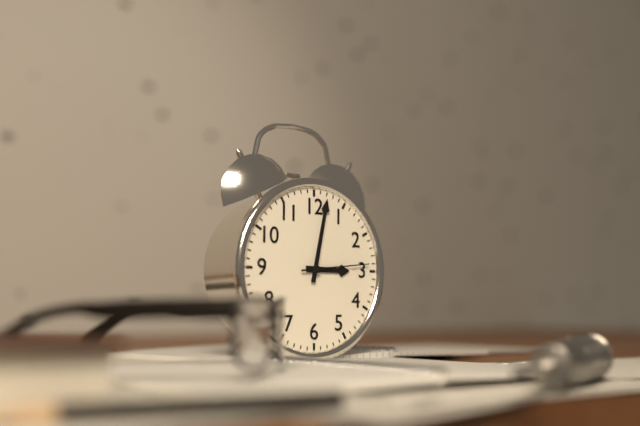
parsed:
3,02,14
